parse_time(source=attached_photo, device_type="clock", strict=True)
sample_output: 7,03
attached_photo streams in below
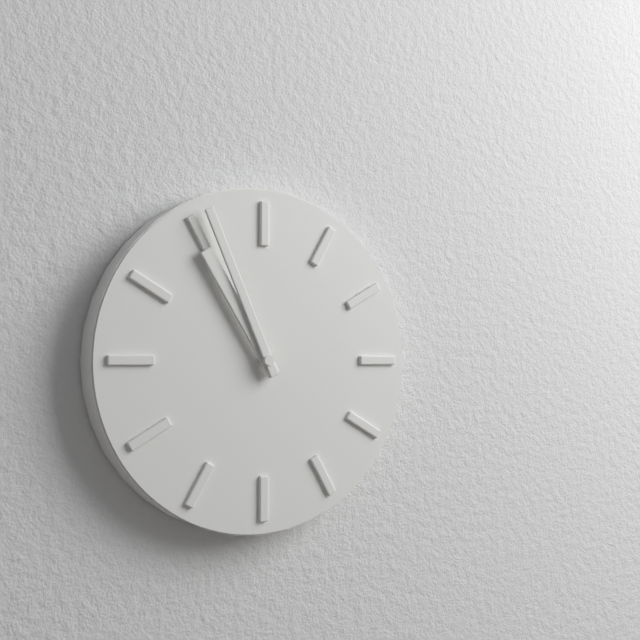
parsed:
10,56
